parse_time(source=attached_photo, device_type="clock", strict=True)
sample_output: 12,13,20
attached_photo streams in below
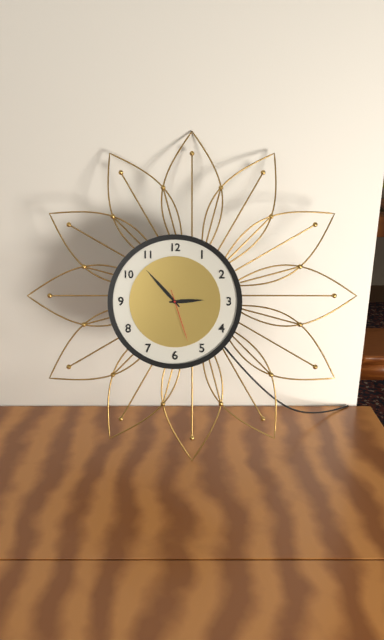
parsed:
2,53,27
